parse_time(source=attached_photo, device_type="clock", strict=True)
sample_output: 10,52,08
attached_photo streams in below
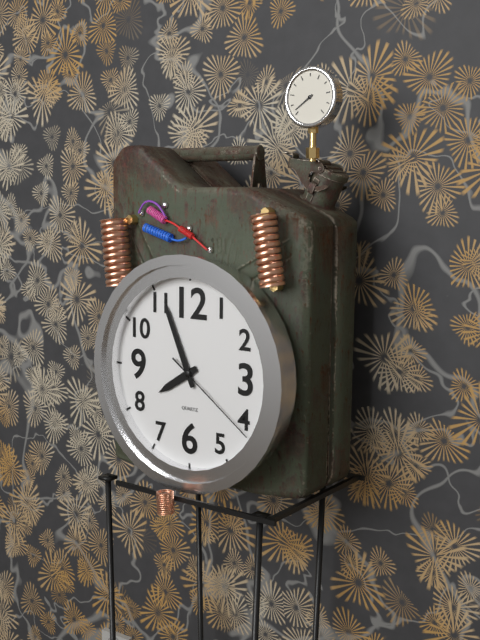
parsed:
7,56,21
